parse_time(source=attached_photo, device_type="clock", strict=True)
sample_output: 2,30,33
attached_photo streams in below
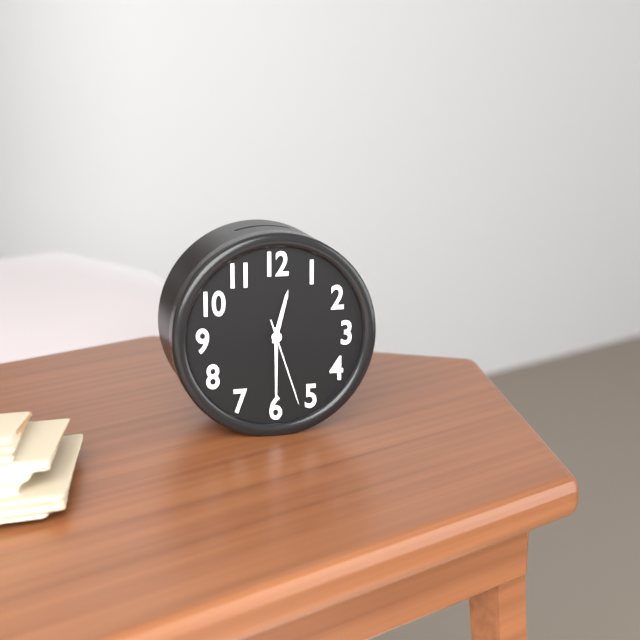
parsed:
12,30,27
